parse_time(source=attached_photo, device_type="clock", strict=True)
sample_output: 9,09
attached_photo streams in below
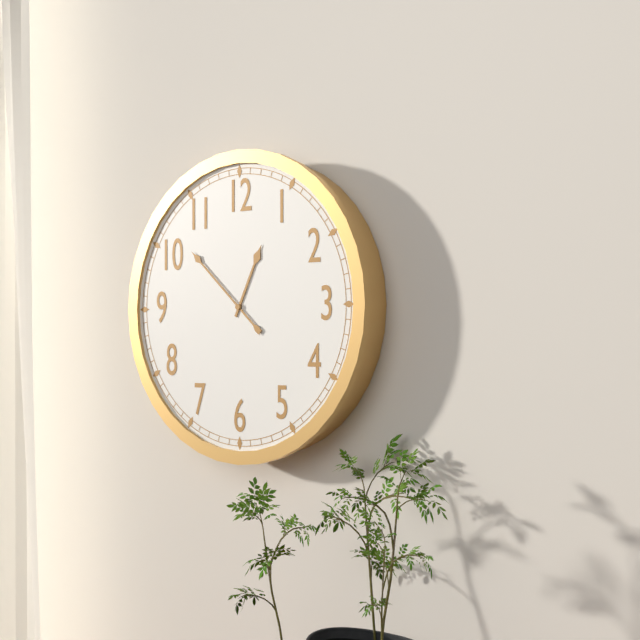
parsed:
12,52
